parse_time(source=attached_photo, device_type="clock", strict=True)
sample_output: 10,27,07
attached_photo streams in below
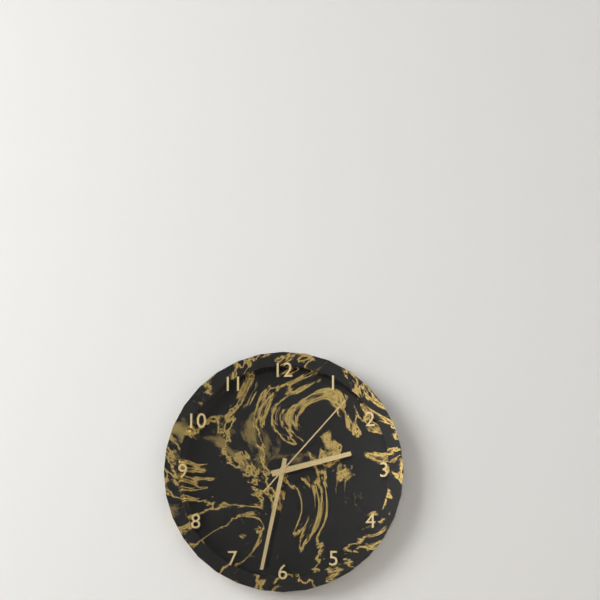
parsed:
2,32,07
